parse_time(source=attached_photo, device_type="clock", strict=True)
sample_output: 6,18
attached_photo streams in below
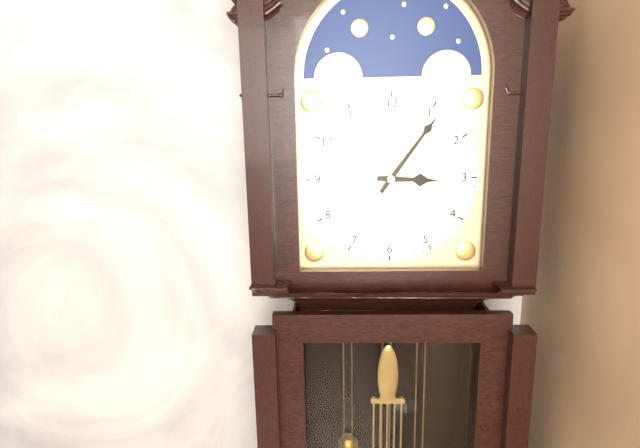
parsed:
3,06
